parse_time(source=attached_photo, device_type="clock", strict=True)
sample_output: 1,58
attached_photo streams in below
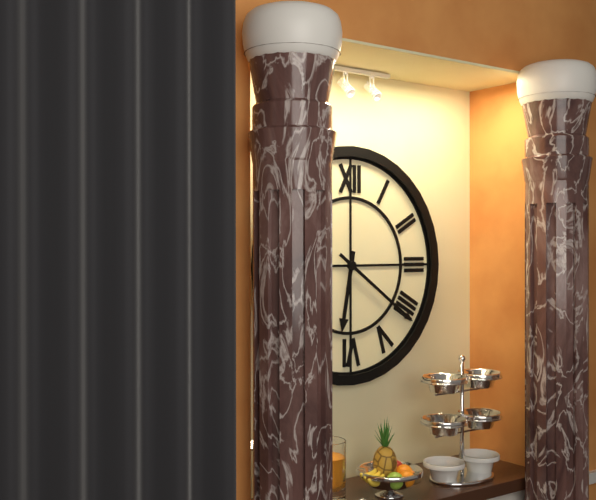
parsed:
6,21
